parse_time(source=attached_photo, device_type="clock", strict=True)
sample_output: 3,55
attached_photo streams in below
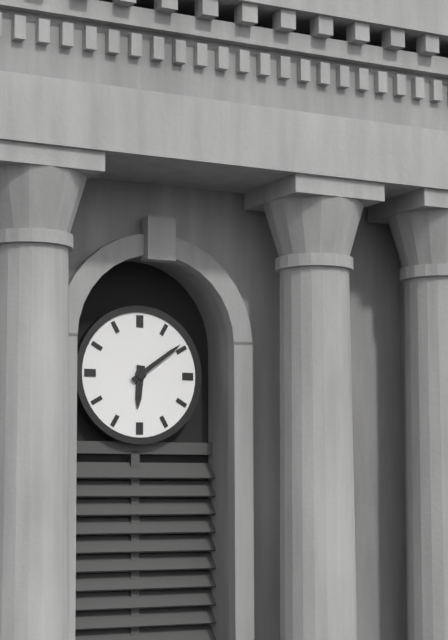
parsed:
6,09
